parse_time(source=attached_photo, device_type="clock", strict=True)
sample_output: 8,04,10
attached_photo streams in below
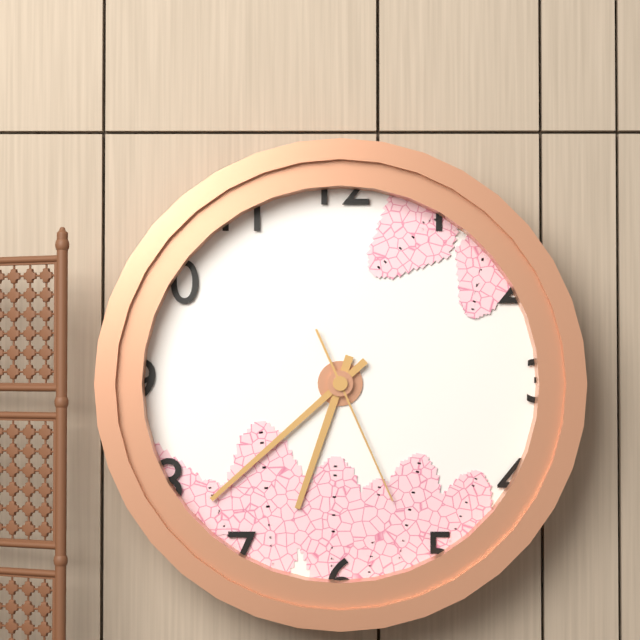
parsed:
6,38,26
